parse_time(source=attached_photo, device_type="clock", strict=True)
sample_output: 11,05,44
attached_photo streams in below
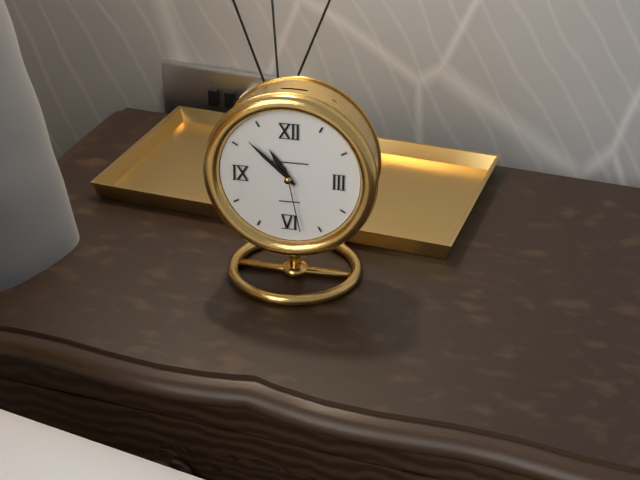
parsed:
10,52,28
